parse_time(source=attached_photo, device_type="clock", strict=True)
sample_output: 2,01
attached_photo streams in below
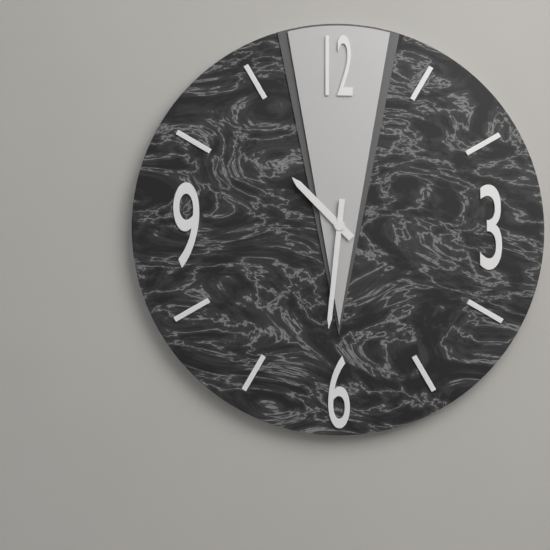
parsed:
10,31
